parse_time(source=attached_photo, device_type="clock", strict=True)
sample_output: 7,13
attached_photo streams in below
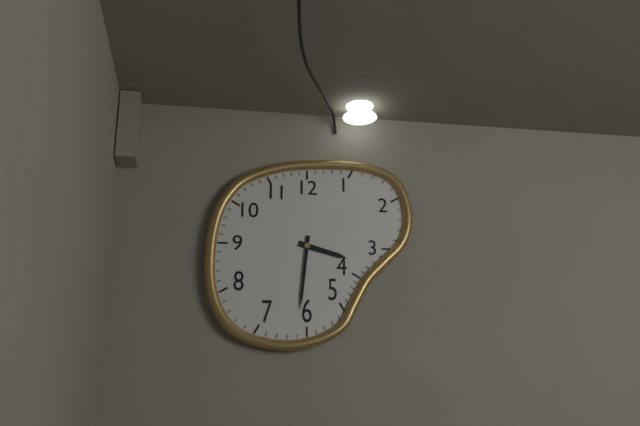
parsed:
3,31
